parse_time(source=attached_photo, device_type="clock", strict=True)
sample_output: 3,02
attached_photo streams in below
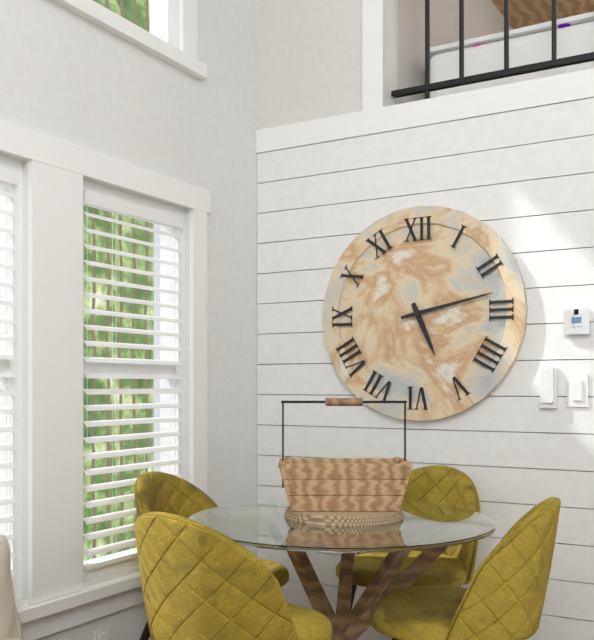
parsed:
5,13
